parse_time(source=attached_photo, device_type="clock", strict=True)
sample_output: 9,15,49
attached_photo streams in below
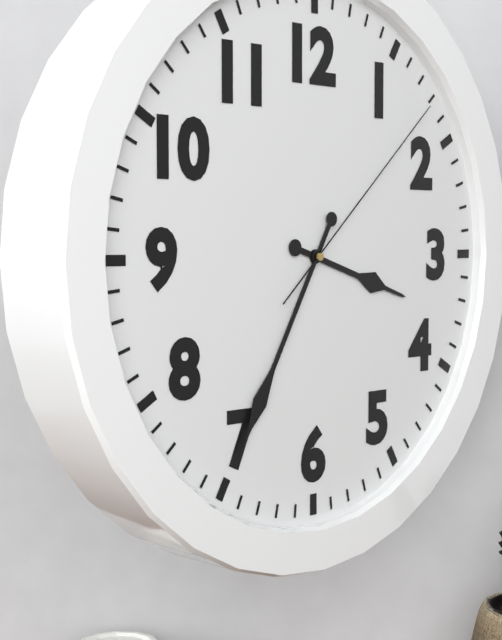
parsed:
3,35,08
